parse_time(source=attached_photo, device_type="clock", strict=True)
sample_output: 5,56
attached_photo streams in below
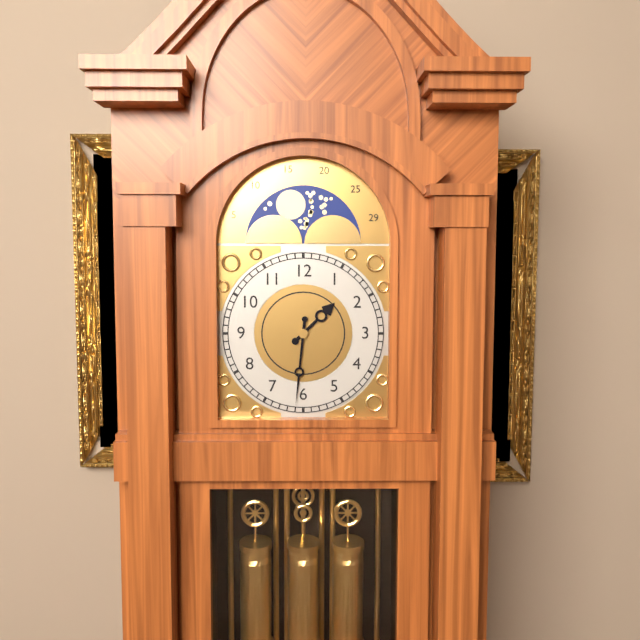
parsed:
1,31
